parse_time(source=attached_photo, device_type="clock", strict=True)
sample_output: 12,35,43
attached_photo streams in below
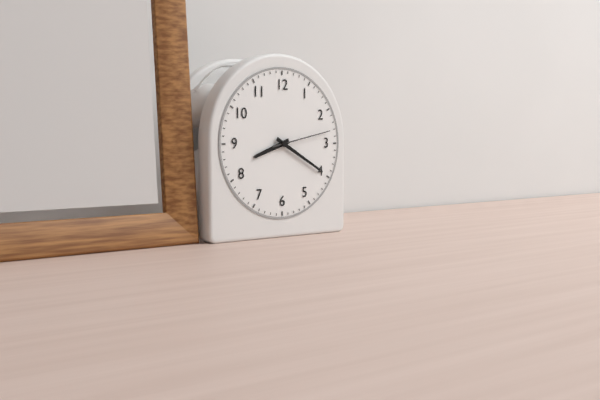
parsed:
8,20,13
